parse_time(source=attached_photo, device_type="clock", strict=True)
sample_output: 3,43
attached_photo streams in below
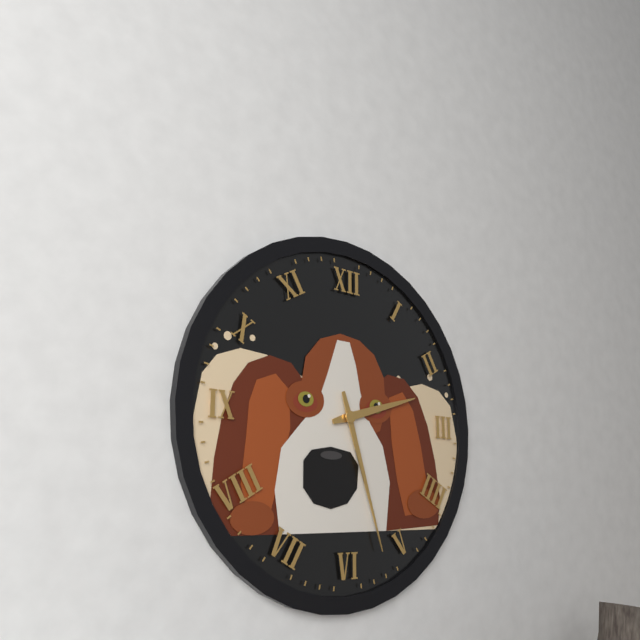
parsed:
2,27
